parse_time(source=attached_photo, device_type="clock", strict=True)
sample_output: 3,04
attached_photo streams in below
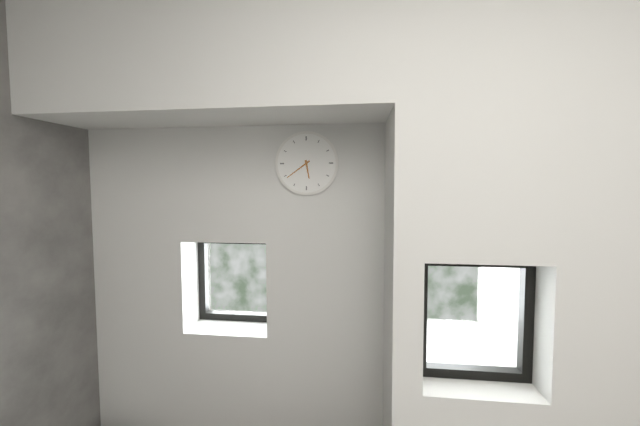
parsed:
5,39
